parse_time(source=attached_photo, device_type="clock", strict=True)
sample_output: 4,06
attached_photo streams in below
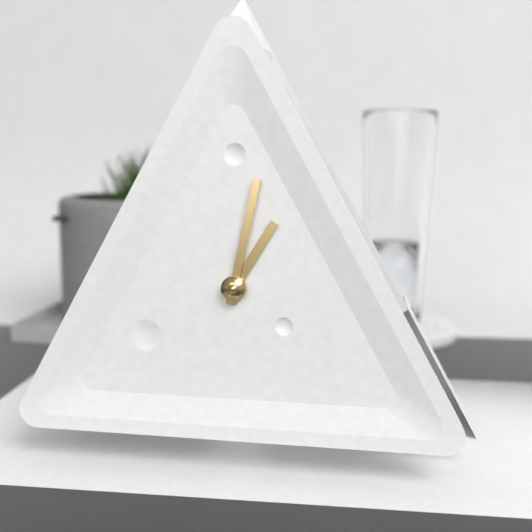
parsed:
1,02
